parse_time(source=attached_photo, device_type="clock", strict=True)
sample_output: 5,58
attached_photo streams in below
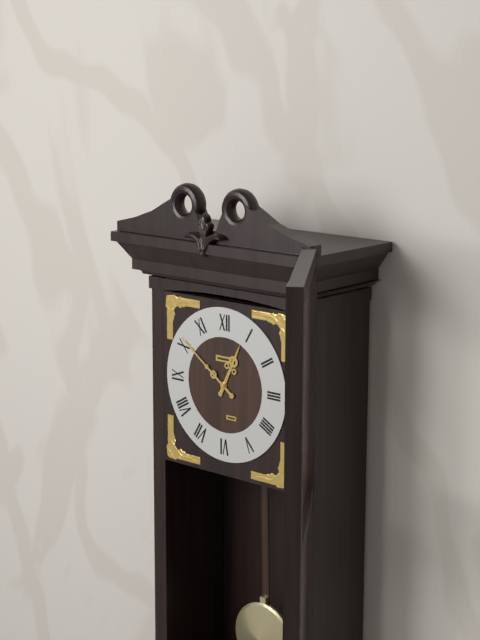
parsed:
12,51
